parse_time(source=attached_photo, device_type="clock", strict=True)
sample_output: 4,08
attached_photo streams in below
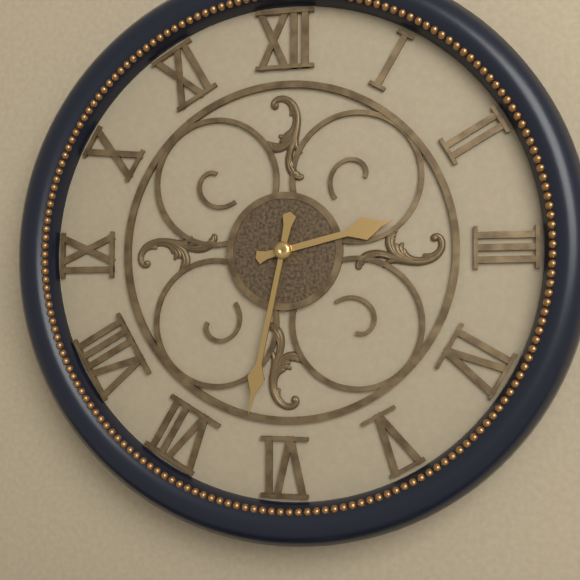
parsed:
2,32
